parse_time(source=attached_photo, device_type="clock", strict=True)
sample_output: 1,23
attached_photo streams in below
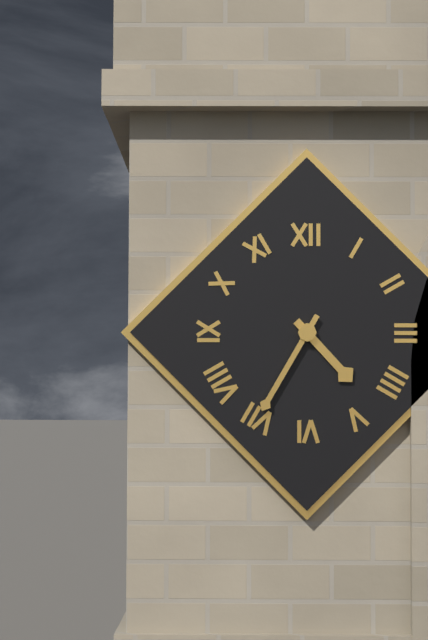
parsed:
4,35
